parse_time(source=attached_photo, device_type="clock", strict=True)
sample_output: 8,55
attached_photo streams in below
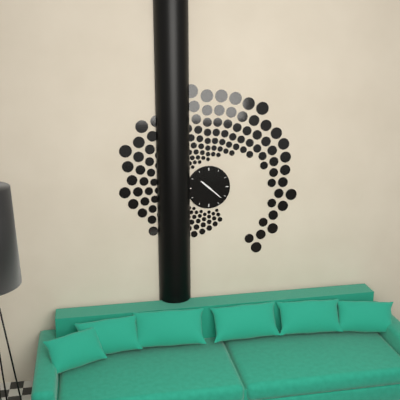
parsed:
10,22
